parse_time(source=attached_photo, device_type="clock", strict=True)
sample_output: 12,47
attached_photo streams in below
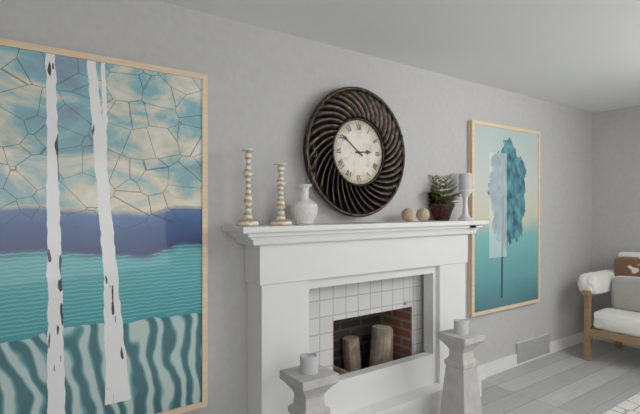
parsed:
2,51
